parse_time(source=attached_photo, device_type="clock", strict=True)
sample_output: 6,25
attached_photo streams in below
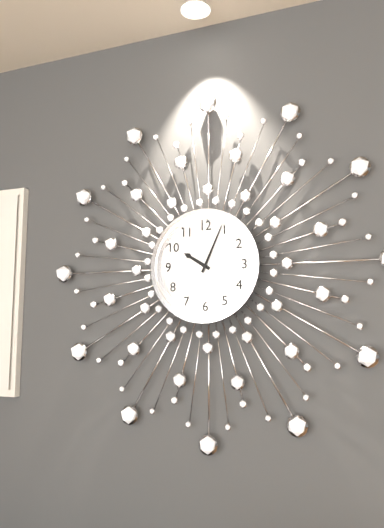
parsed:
10,04
